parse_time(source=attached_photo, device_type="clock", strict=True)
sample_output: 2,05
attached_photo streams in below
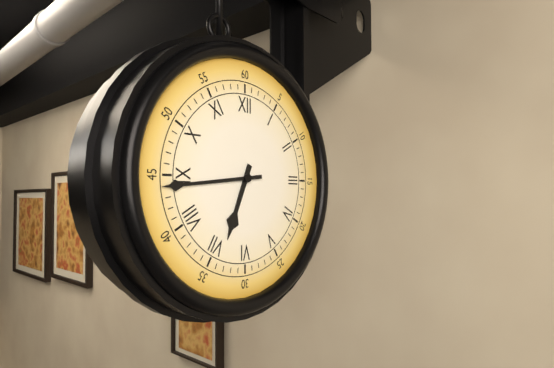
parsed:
6,44
